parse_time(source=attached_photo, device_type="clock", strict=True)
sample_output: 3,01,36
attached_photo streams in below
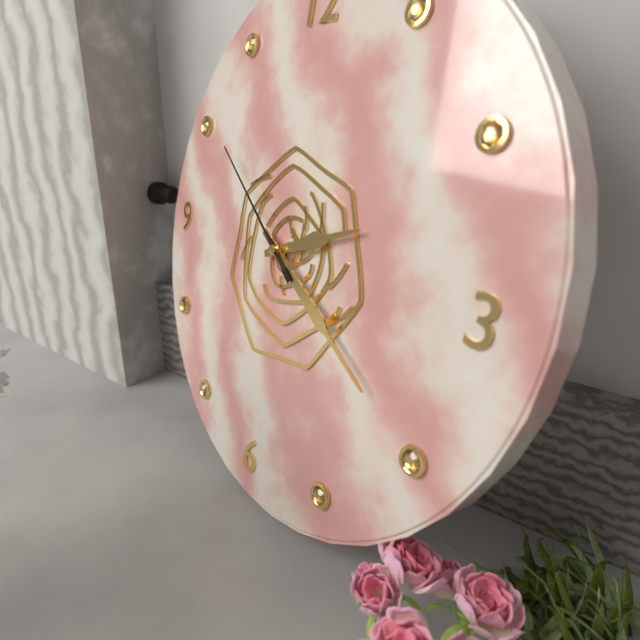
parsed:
2,20,51
